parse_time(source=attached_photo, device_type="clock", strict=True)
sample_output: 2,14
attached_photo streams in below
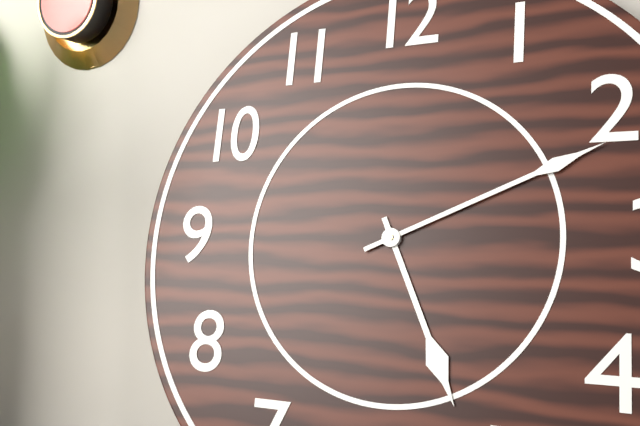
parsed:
5,11
